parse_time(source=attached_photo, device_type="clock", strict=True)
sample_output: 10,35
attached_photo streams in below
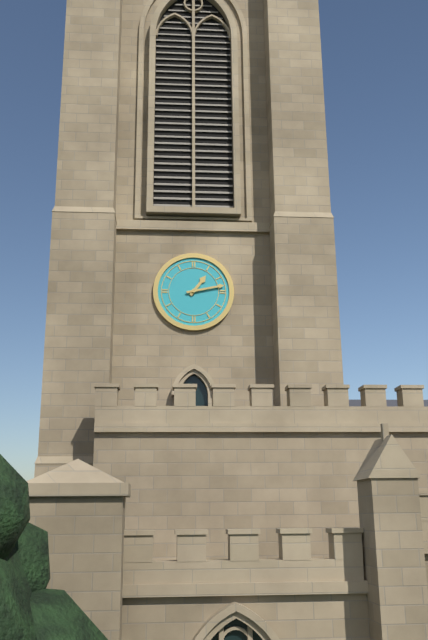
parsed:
1,13
